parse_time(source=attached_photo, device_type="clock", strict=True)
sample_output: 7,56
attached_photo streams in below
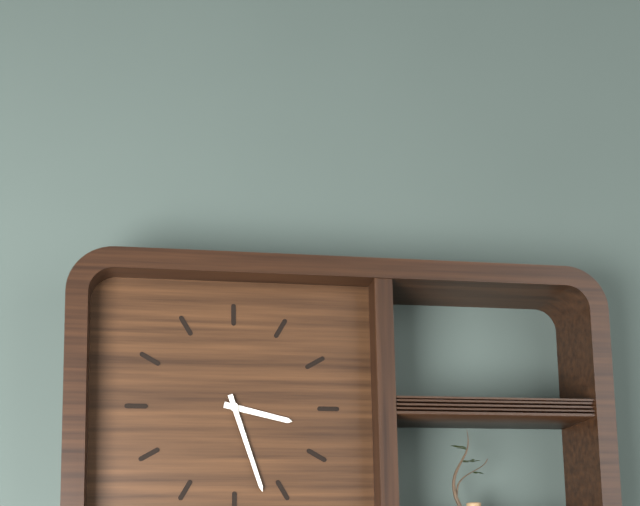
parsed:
3,27
